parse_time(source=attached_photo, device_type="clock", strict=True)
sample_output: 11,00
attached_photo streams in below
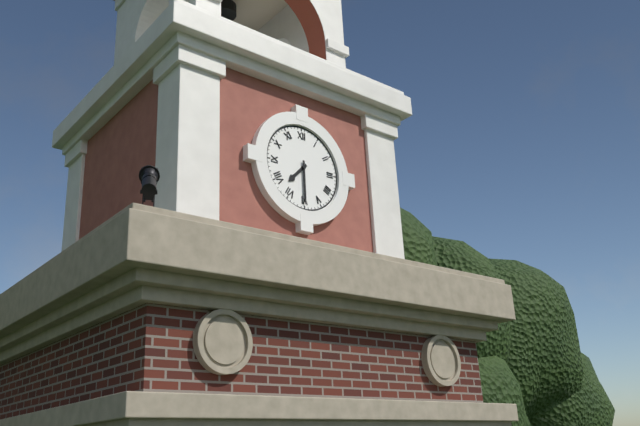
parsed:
7,30
